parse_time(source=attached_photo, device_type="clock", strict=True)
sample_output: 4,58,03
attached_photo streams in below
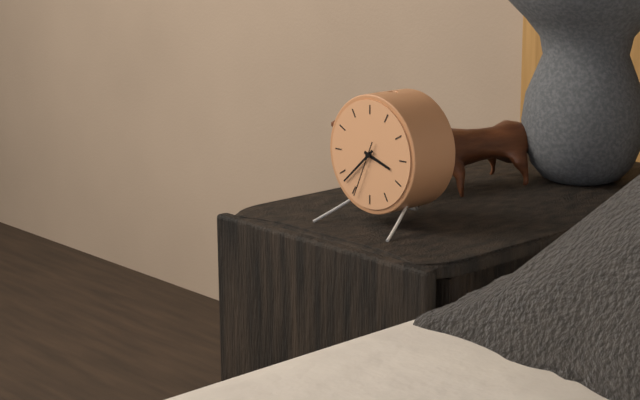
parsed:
3,38,34
